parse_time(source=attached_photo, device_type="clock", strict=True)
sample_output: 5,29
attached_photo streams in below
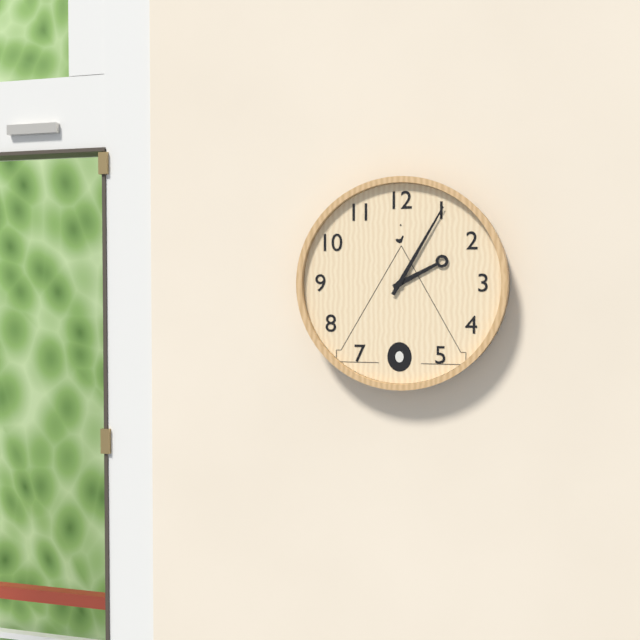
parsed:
2,05
